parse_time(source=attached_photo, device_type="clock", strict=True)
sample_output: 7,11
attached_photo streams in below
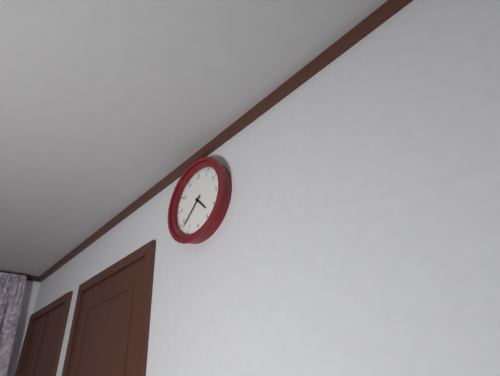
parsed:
4,38
